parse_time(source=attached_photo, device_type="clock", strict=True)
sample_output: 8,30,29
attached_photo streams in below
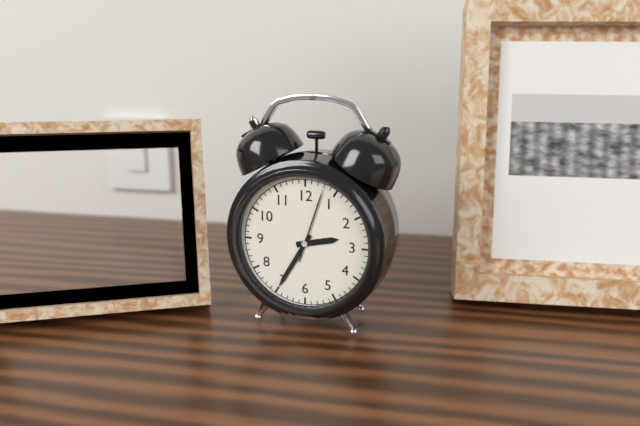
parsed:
2,35,03
